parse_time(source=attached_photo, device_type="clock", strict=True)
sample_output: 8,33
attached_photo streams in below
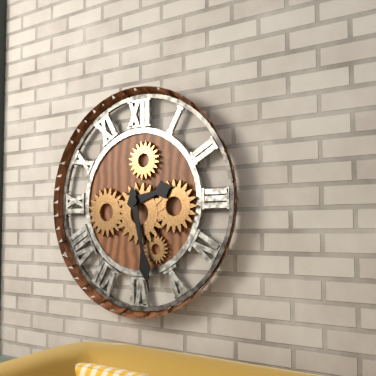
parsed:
2,28
